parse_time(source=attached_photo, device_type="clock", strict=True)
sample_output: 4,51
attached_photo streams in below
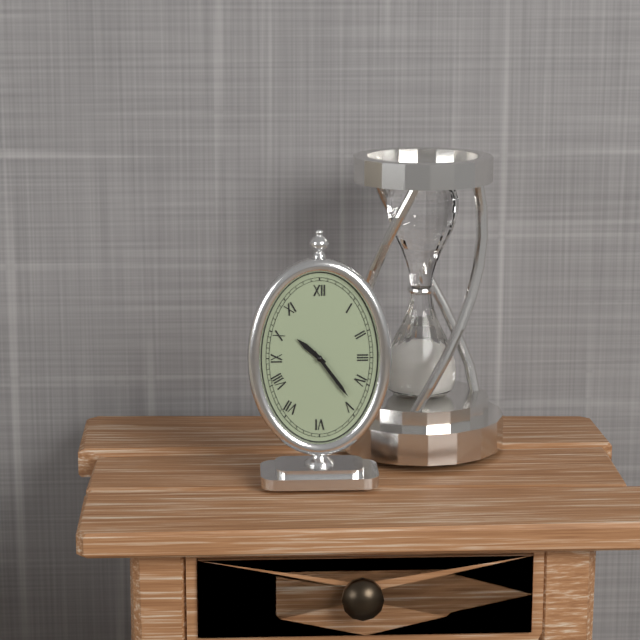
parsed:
10,24
